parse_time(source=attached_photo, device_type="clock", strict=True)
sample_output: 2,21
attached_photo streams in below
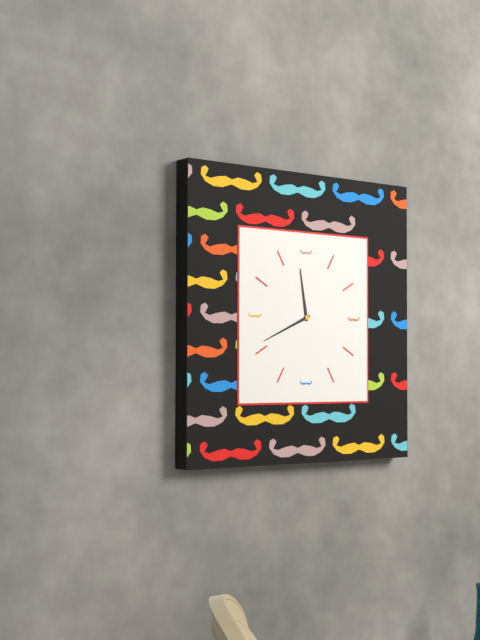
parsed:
11,41
